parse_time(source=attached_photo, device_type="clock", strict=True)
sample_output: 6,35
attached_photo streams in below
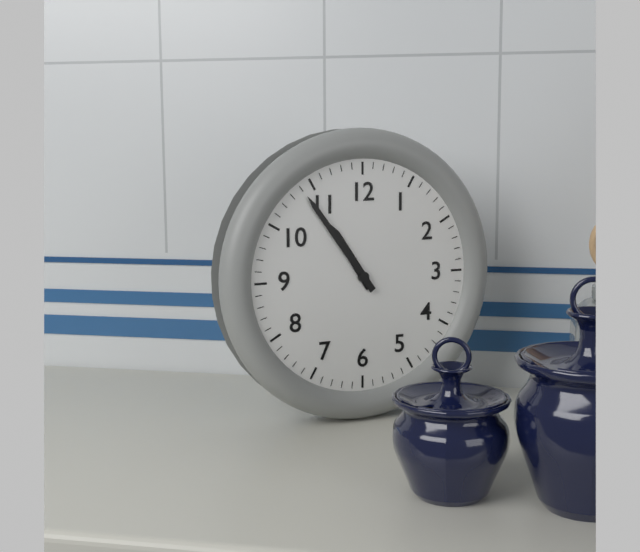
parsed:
10,54
